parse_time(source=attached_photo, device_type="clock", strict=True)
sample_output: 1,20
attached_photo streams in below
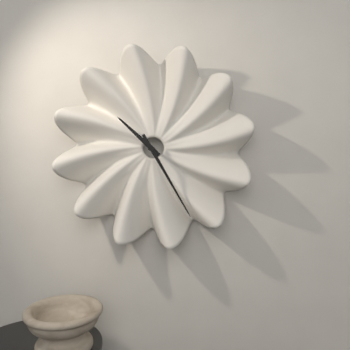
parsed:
10,25
